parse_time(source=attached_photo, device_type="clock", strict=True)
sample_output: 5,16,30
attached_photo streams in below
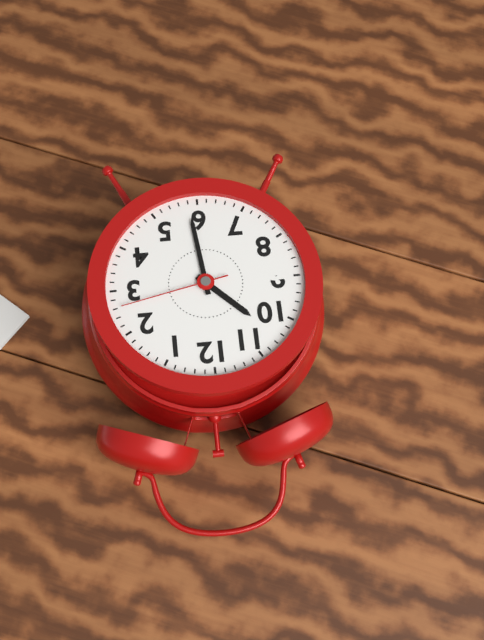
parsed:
10,29,13
